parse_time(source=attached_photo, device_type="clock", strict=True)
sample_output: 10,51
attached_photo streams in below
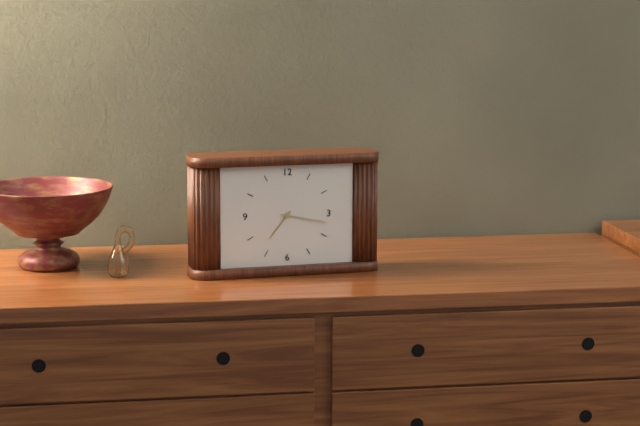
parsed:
7,17
